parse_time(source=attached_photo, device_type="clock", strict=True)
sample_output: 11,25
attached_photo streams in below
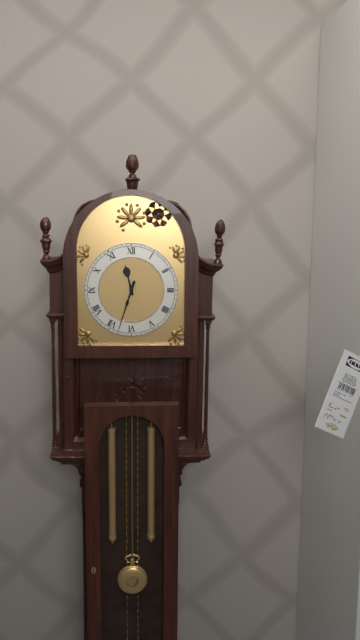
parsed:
11,33
